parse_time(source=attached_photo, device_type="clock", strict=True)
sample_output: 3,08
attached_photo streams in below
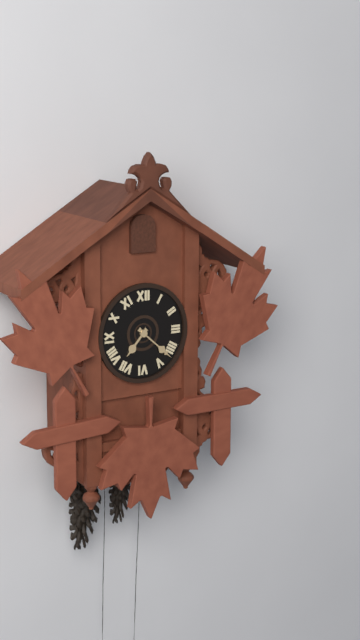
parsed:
7,22
